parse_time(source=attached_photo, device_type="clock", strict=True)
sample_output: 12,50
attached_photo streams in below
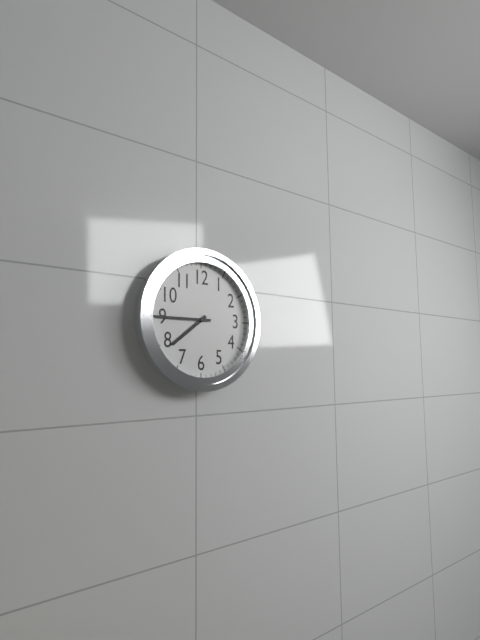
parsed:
7,45
